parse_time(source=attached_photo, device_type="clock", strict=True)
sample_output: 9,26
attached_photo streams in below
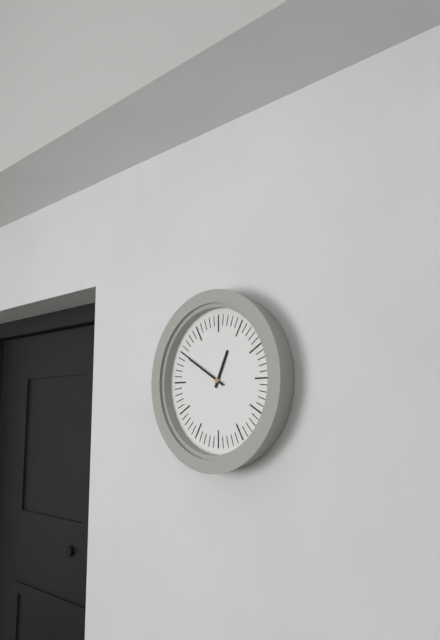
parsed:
12,50
